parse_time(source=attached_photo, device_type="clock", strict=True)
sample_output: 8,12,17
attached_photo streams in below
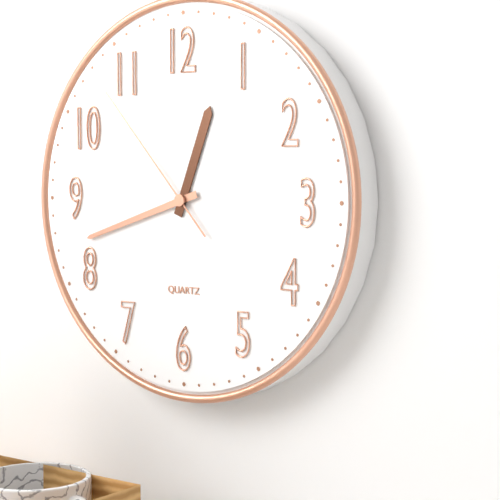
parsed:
12,42,53
